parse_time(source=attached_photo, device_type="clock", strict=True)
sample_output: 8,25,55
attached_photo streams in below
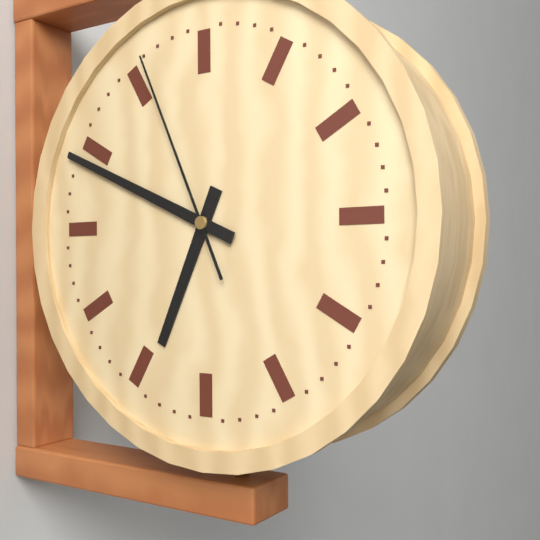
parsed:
6,49,56
